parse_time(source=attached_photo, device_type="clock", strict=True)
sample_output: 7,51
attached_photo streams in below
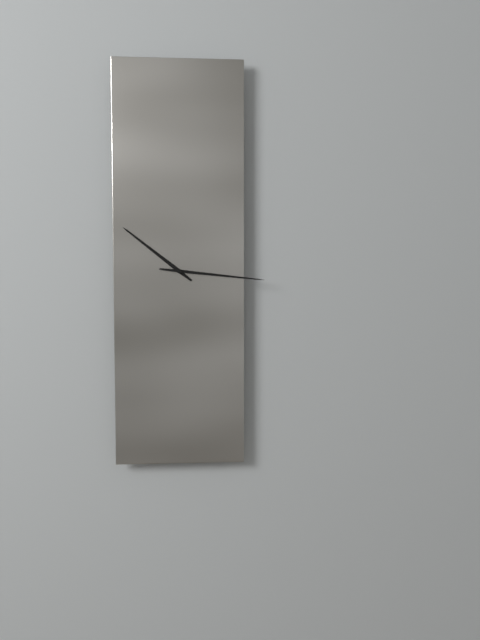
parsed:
10,16
